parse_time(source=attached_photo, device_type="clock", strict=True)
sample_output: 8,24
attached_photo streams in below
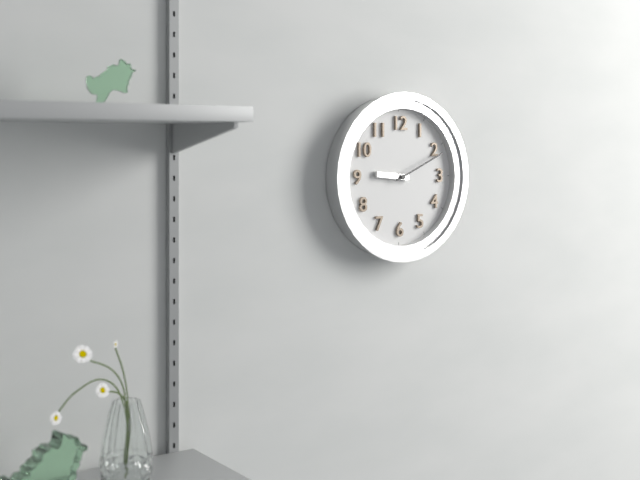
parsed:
9,11
